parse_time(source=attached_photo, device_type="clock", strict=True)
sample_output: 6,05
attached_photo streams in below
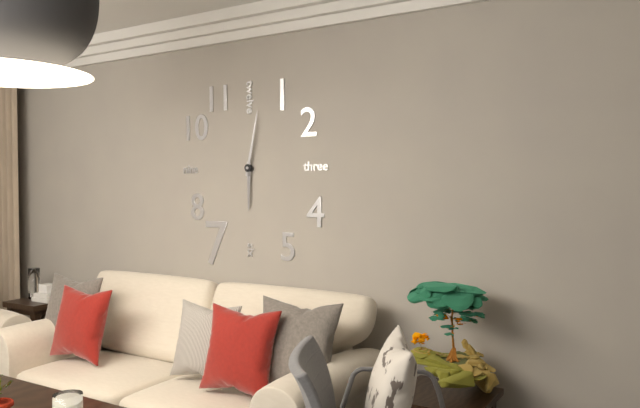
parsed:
6,02
